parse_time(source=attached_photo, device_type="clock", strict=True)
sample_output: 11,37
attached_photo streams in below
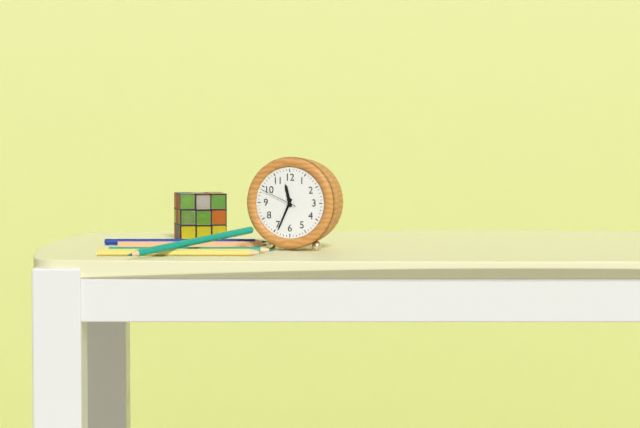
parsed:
11,34
